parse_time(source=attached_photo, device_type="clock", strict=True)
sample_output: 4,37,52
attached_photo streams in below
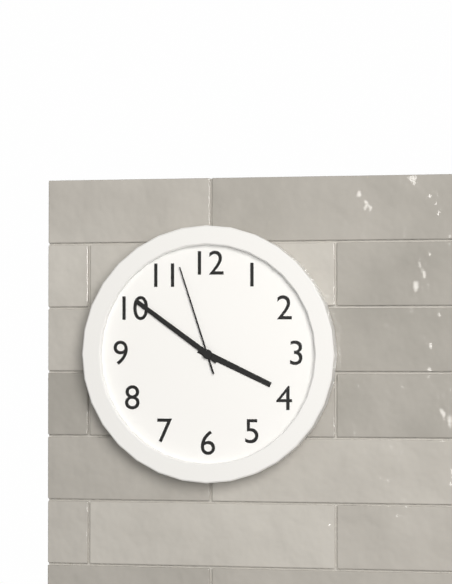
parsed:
3,51,57
